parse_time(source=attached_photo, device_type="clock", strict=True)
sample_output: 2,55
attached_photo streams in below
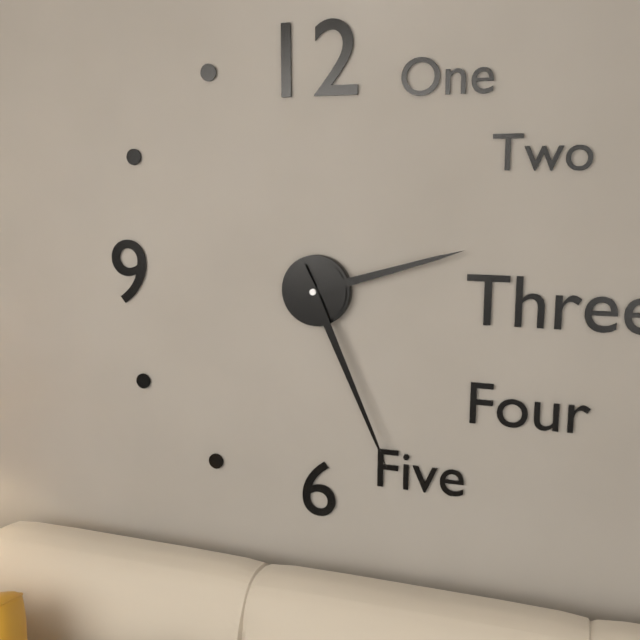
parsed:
2,26
